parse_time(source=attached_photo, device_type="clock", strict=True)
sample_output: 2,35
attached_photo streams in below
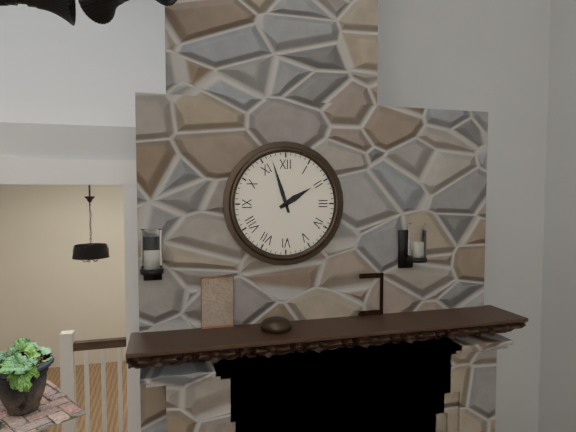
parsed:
1,57
